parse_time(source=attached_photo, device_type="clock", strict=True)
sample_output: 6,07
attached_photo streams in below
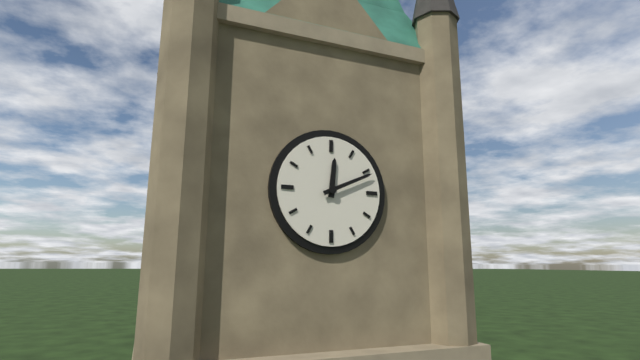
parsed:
12,11
